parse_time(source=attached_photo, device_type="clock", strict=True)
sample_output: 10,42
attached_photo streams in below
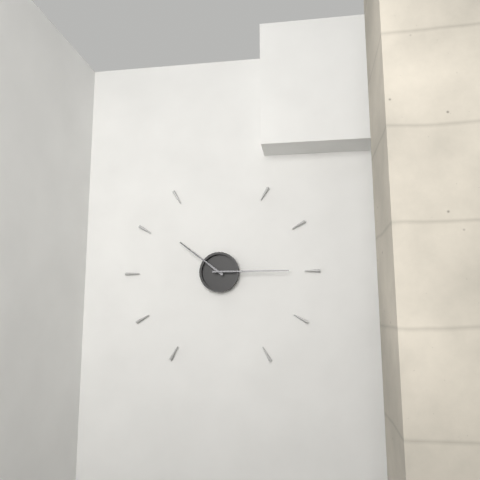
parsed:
10,15
